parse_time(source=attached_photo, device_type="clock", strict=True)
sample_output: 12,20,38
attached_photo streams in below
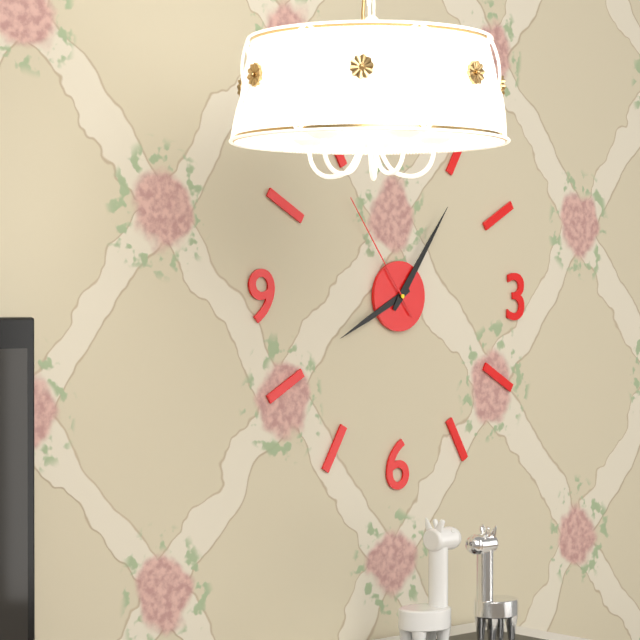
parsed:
8,06,54
